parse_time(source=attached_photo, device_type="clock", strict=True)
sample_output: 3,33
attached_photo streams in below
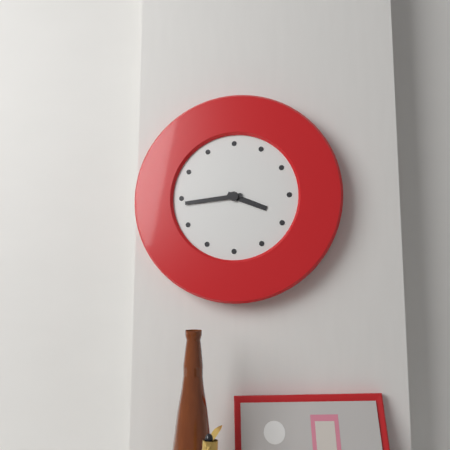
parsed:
3,44
